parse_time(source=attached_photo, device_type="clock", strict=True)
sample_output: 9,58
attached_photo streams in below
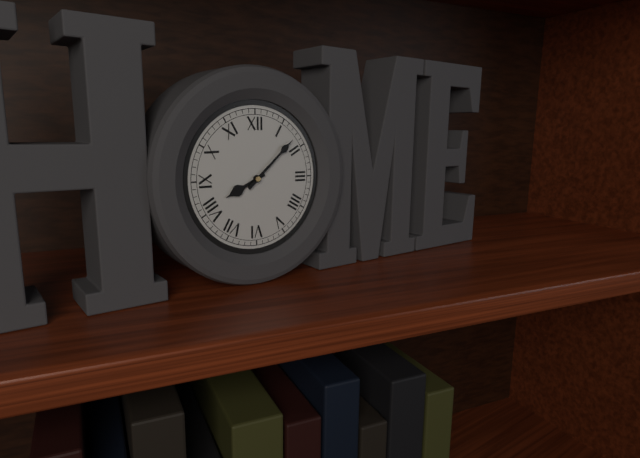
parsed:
8,08
